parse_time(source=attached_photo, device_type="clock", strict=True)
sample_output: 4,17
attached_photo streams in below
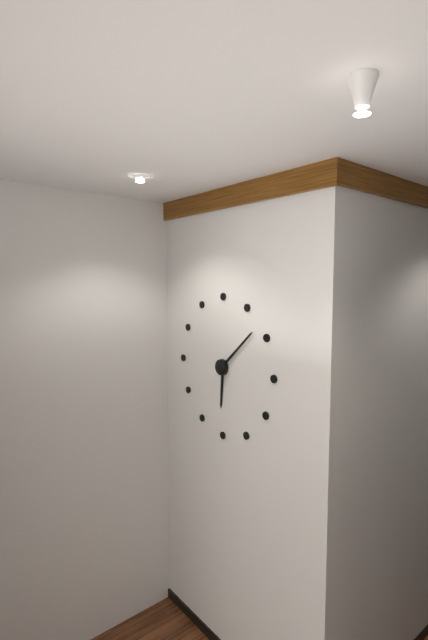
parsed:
6,08
